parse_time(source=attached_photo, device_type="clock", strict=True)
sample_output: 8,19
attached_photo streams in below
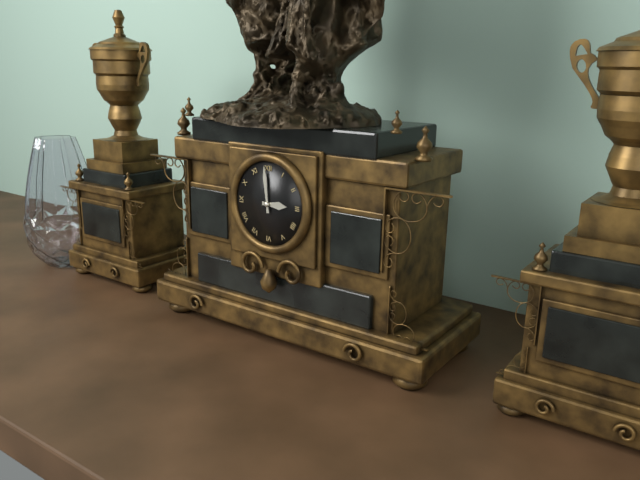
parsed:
2,59
